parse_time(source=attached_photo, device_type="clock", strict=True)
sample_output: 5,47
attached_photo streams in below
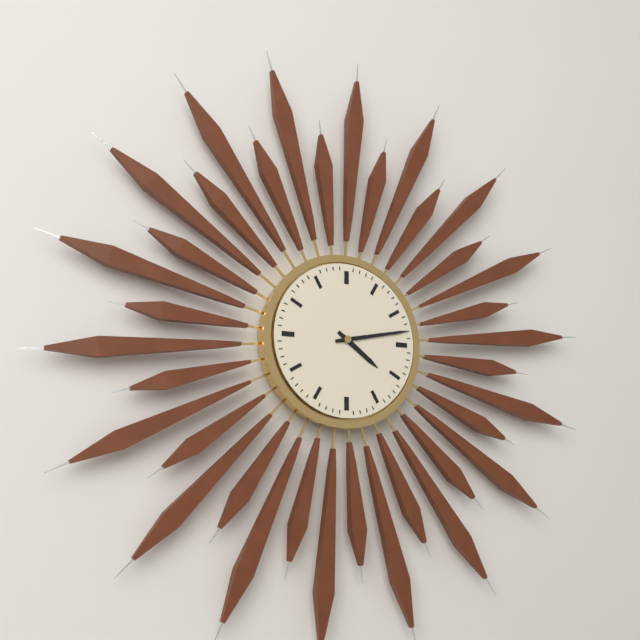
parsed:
4,13
